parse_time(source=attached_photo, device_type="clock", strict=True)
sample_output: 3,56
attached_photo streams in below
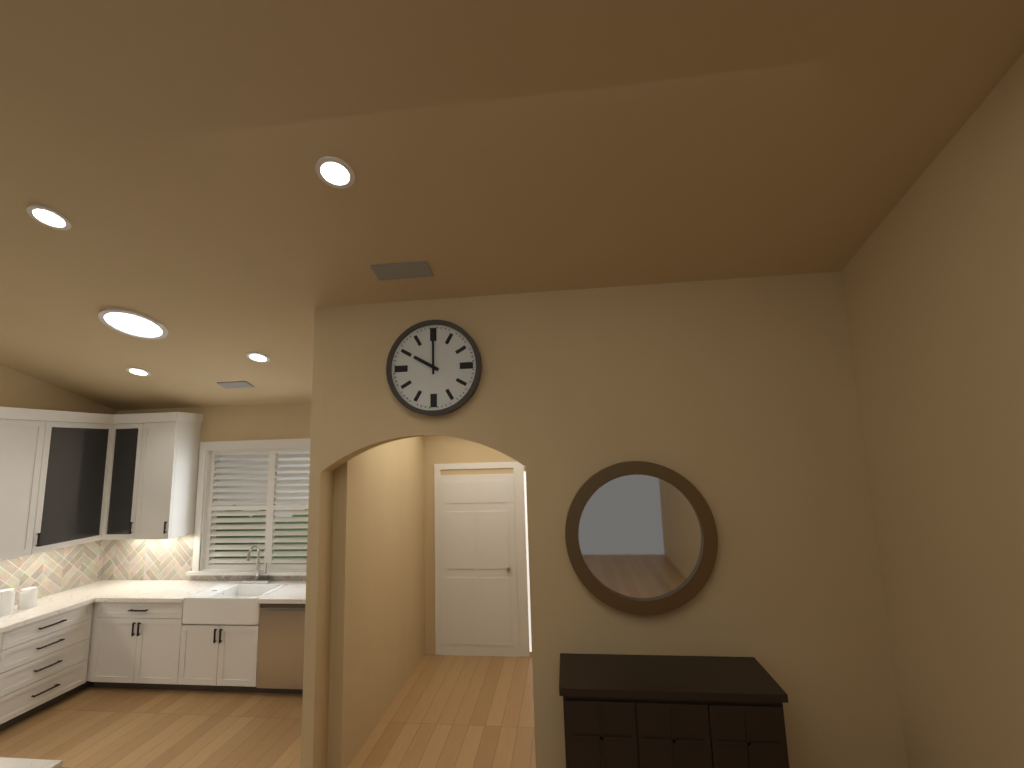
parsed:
10,00
